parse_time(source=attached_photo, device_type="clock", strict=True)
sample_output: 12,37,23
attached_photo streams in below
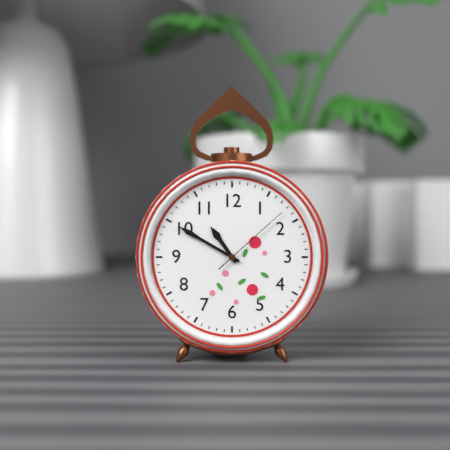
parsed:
10,50,08
